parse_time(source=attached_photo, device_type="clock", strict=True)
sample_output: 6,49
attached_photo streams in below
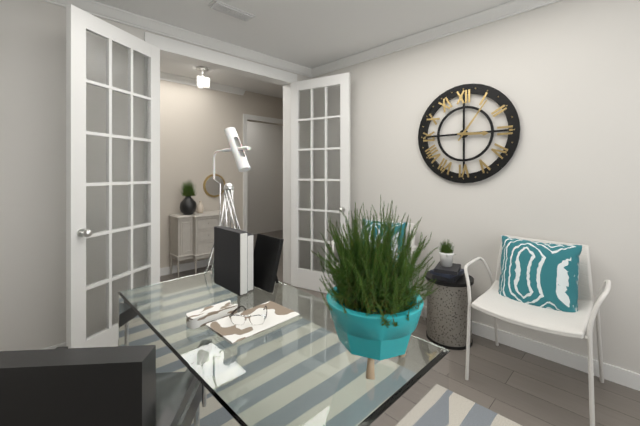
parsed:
3,06
